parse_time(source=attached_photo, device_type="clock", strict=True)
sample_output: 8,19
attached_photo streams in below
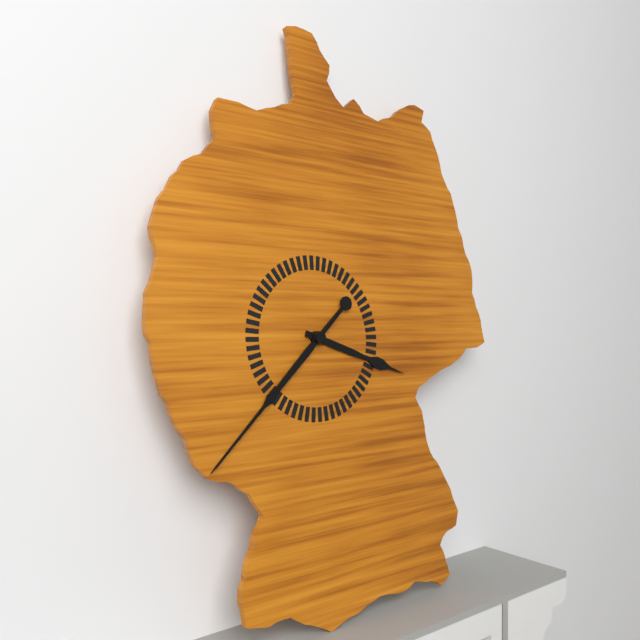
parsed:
3,38
